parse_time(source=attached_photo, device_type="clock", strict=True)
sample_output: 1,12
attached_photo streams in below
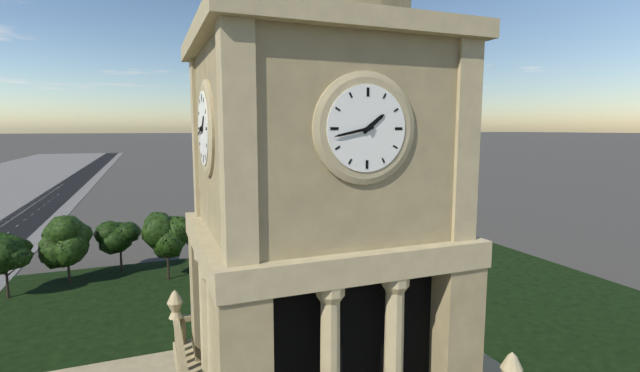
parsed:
1,43
